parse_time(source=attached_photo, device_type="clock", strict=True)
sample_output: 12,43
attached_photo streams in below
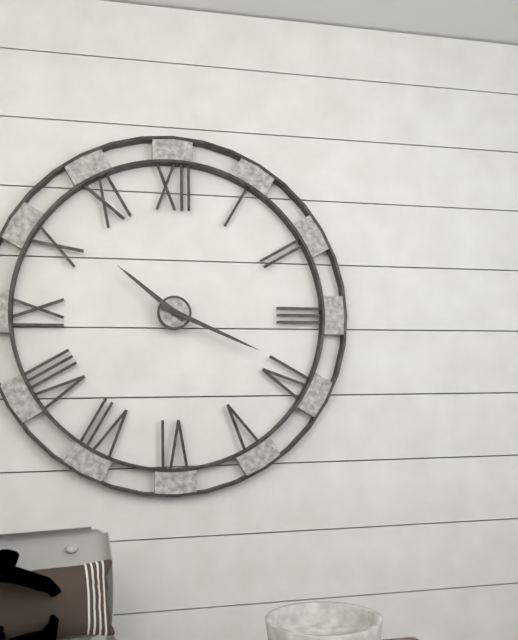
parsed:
10,19
